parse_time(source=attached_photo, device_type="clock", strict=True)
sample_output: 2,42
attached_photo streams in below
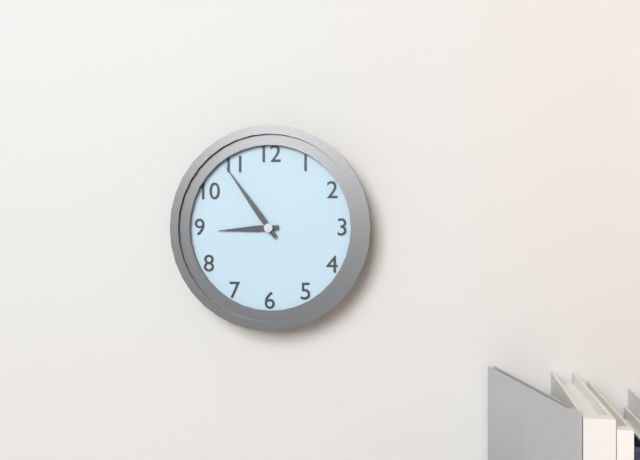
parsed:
8,54
